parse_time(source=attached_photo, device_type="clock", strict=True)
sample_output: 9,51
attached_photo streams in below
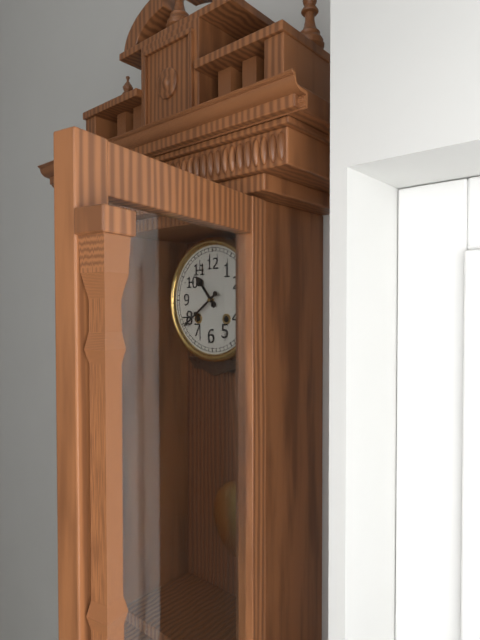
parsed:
10,39
